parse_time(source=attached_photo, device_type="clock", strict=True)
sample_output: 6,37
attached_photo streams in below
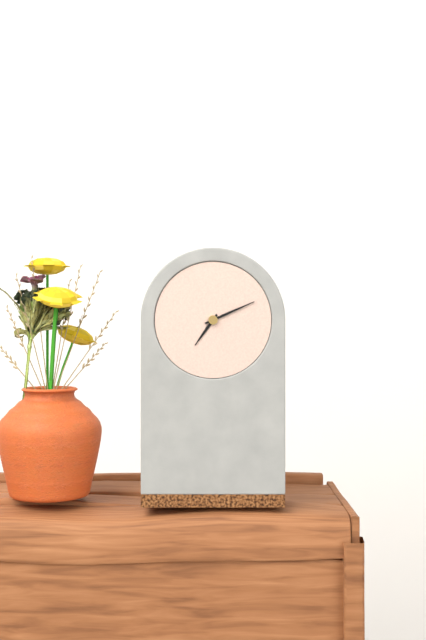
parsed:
7,11
